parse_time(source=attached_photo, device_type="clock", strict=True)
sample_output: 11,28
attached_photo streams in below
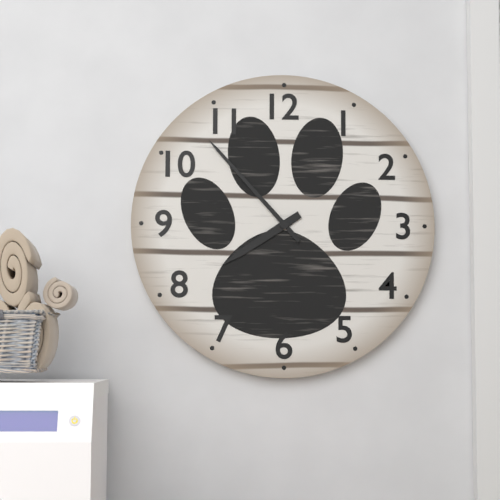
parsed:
7,53
